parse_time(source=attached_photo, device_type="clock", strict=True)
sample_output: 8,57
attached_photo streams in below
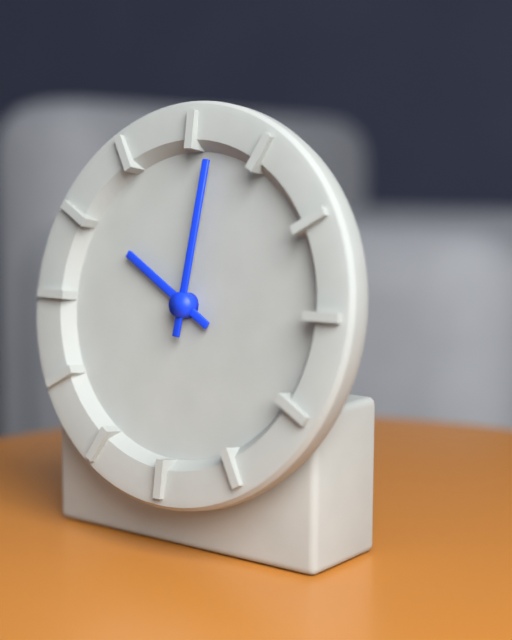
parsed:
10,01
